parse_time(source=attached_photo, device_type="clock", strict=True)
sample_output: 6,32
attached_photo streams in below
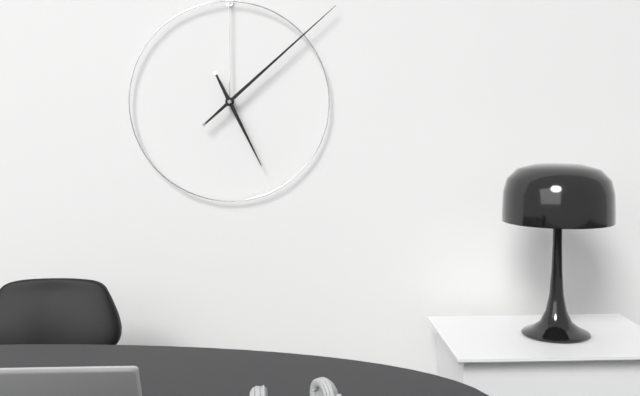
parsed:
5,08
